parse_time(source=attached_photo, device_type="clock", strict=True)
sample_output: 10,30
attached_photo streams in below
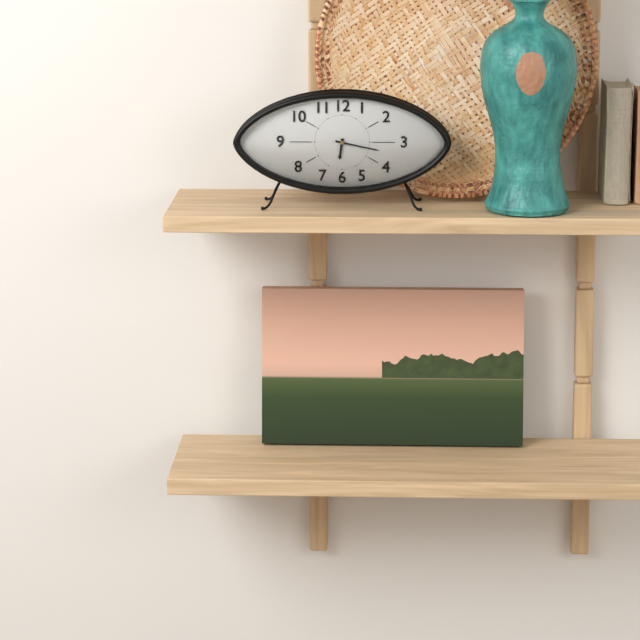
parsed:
6,17
